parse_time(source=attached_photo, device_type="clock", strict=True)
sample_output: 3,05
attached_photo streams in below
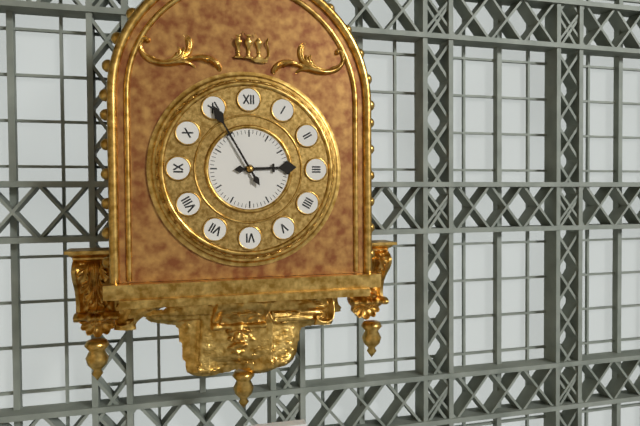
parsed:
2,55
